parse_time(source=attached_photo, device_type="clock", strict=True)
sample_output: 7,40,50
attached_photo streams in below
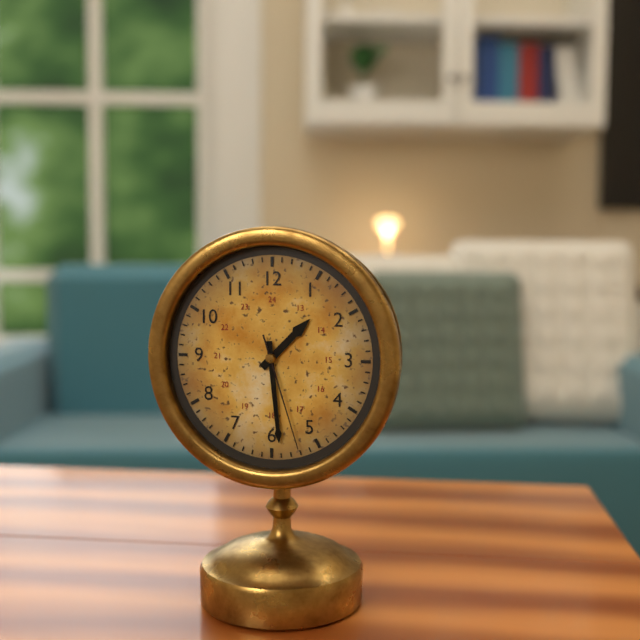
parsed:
1,29,27
